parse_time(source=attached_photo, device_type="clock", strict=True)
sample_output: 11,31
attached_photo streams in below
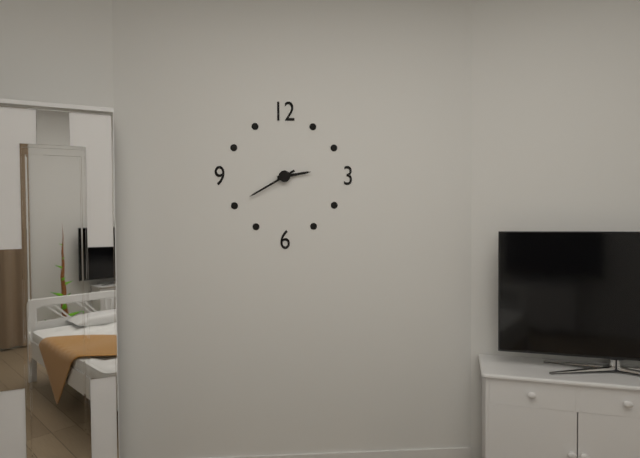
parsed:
2,40
